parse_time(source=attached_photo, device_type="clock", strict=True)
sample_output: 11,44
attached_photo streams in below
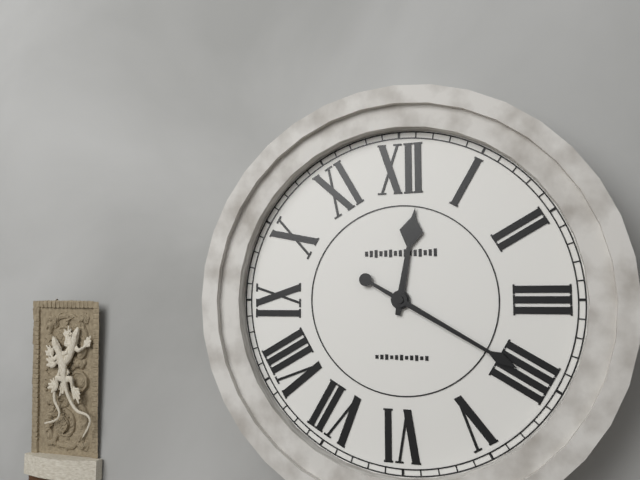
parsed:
12,20
